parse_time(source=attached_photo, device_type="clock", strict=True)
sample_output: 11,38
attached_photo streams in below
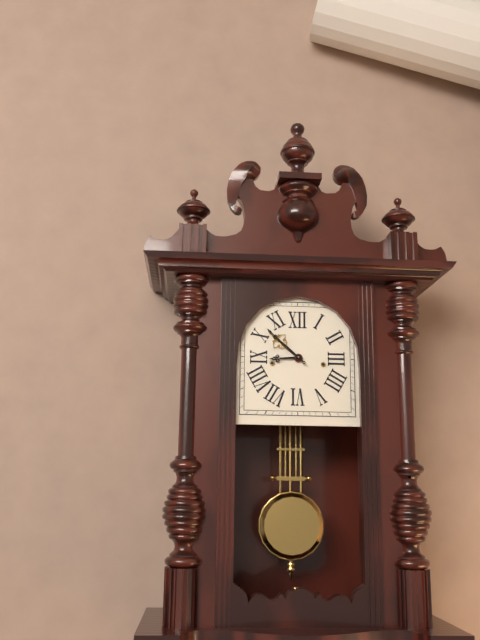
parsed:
8,52
